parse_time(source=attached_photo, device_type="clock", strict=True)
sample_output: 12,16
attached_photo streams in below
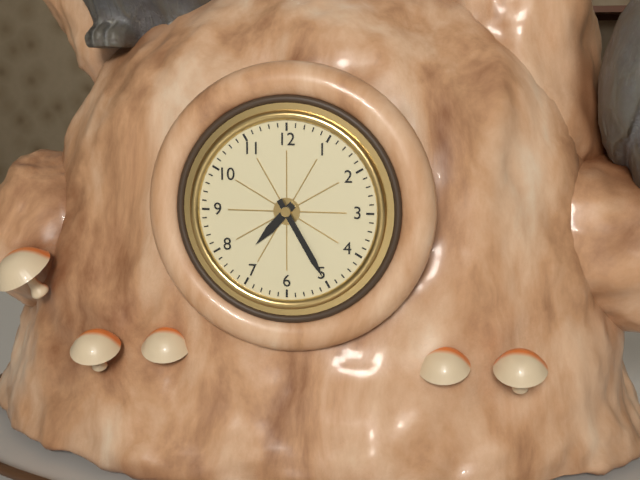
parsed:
7,25
